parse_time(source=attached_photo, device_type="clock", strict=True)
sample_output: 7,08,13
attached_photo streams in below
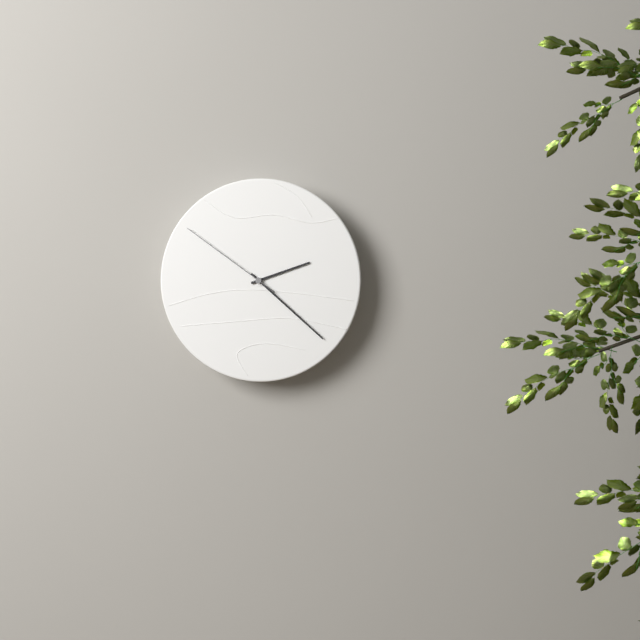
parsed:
2,22,51
